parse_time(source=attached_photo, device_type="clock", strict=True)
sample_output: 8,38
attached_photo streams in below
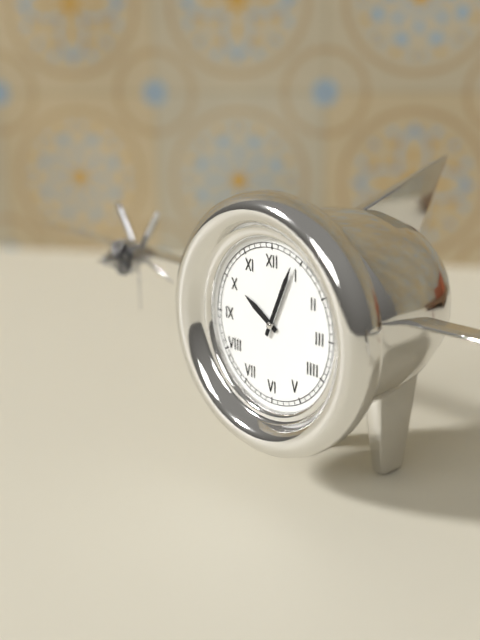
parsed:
10,04
